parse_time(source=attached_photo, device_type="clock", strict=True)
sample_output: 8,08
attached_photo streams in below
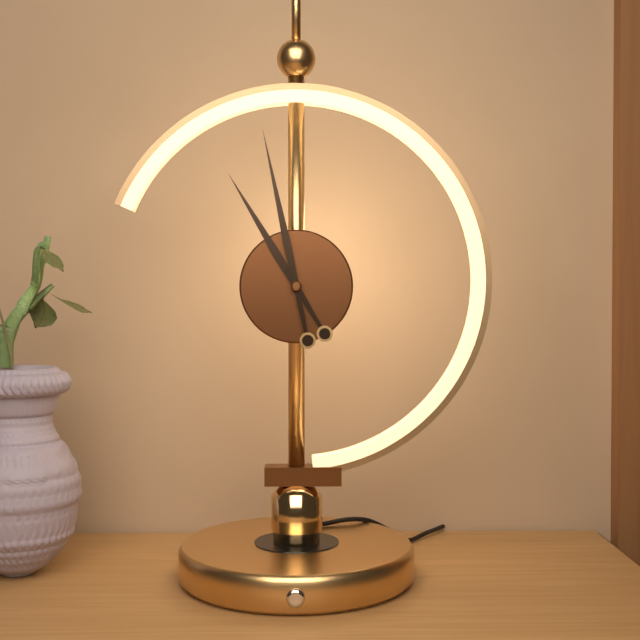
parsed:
10,58
